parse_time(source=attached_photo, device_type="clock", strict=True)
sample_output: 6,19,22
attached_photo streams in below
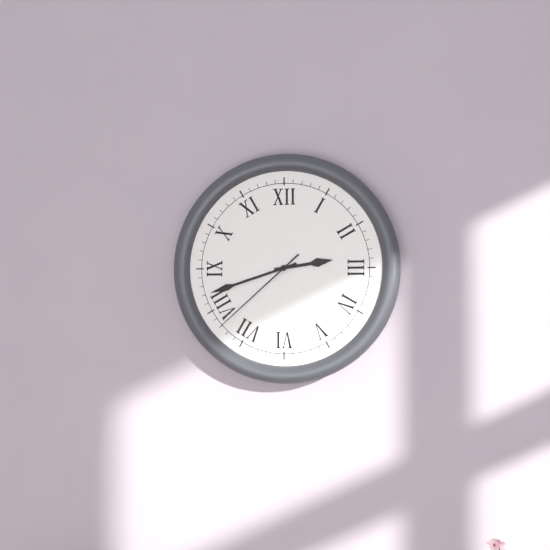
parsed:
2,42,38
